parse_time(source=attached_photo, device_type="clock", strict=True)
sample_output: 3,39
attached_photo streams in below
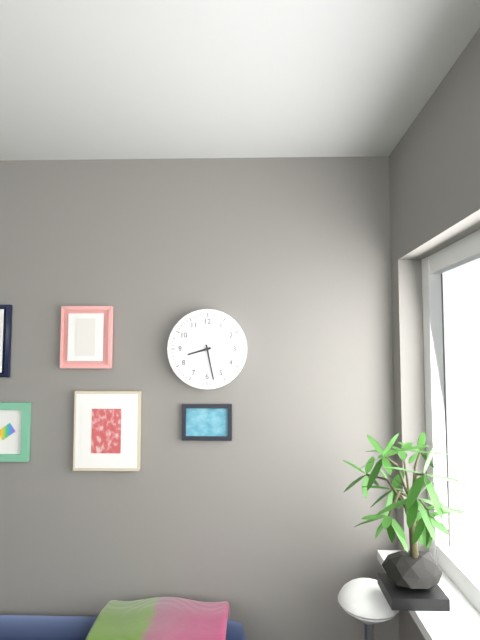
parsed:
8,28
